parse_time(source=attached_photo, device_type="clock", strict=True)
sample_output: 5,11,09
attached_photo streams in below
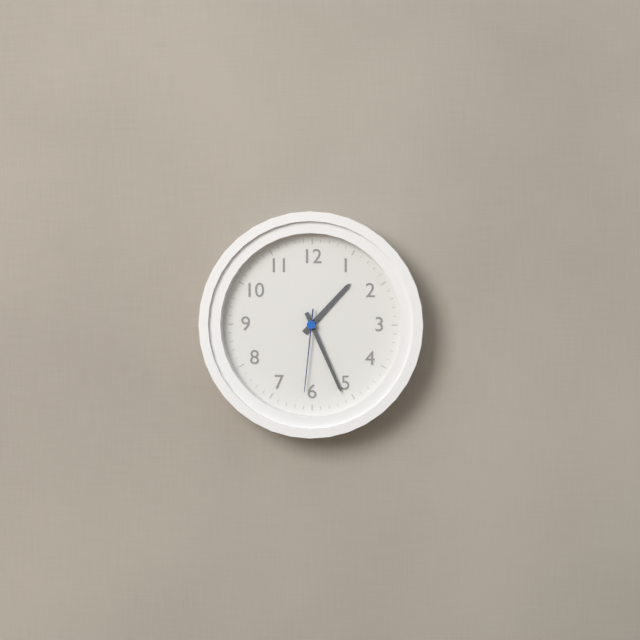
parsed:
1,26,31
